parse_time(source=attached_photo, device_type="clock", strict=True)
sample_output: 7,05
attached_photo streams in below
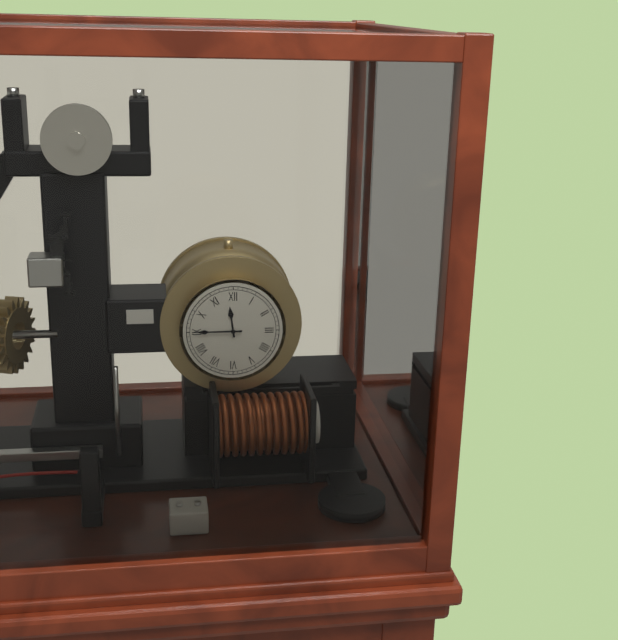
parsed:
11,45
